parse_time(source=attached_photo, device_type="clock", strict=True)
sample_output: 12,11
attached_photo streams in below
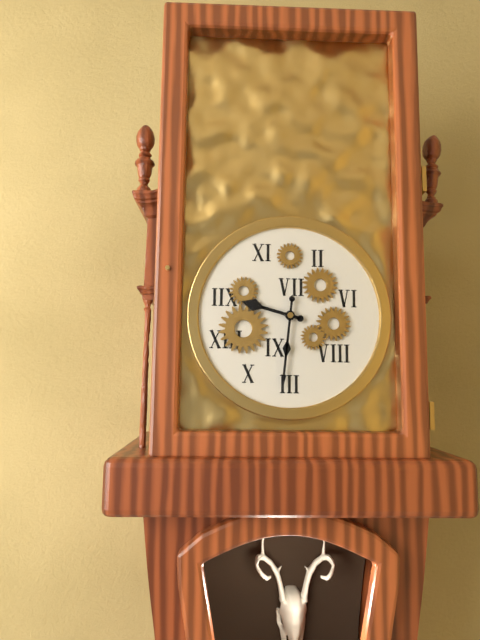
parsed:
9,31
